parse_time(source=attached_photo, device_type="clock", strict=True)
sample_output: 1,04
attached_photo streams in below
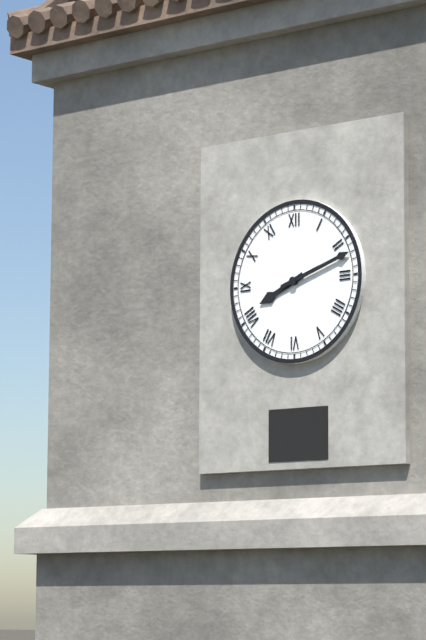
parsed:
8,12
